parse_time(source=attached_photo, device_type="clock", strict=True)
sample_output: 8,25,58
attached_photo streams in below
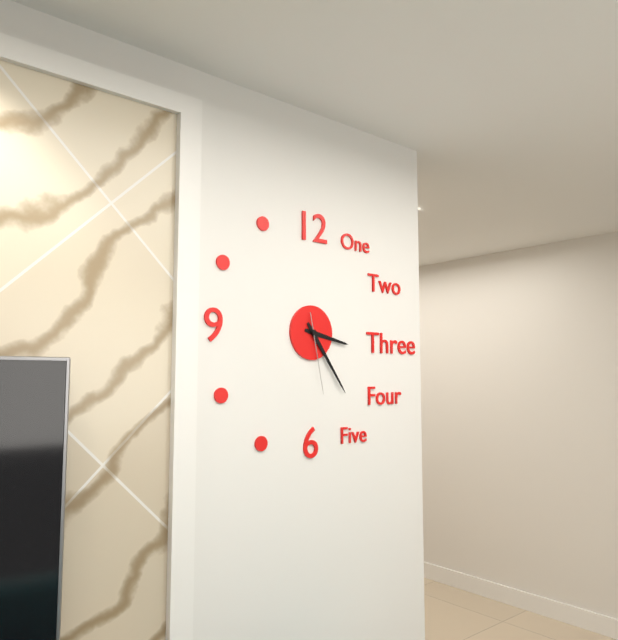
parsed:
3,24,28
